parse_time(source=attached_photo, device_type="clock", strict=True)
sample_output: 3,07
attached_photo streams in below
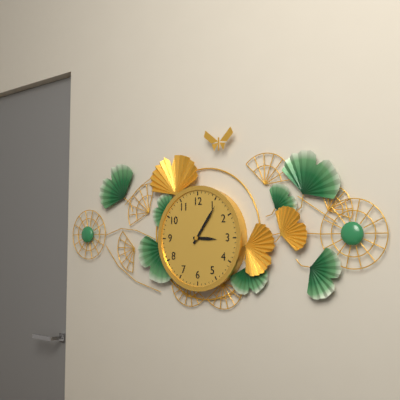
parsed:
3,06
